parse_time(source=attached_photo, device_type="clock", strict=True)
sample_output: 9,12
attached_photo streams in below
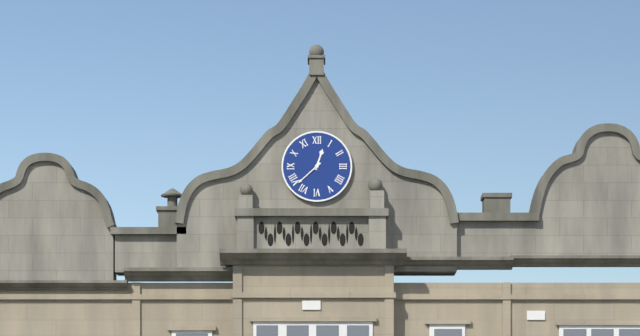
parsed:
12,38
